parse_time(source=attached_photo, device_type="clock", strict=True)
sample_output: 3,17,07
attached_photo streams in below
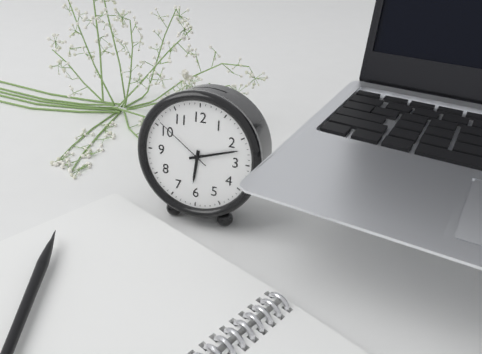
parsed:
6,12,51
